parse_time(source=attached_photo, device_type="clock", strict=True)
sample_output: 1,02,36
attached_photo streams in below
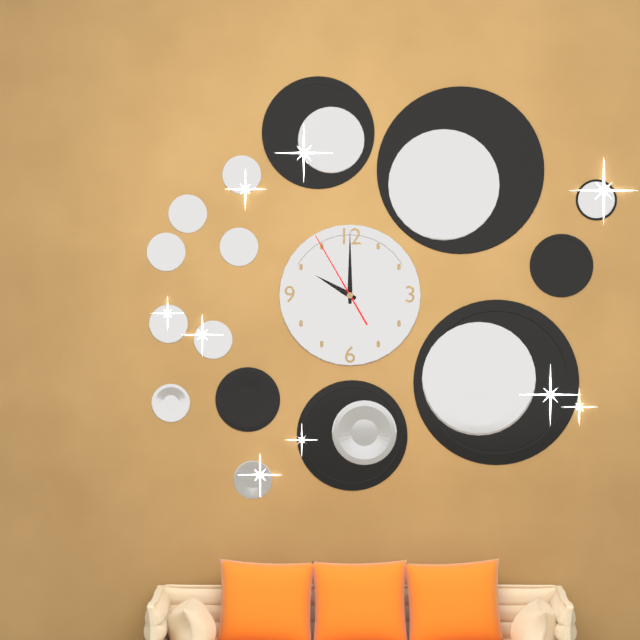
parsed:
10,00,55
